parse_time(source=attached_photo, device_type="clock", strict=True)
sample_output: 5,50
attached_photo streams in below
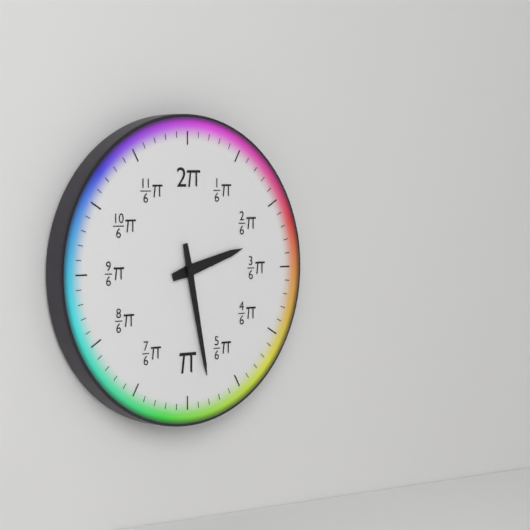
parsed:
2,28
